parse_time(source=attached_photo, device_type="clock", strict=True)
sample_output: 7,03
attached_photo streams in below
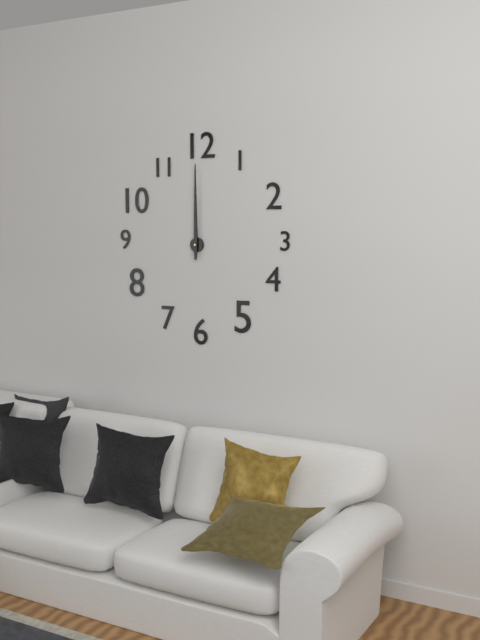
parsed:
12,00
